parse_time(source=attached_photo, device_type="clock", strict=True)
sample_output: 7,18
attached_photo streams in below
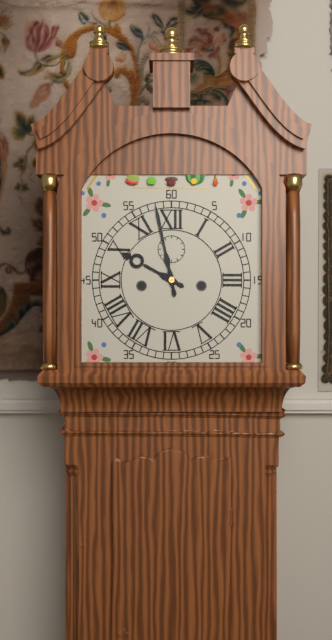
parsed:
9,58
